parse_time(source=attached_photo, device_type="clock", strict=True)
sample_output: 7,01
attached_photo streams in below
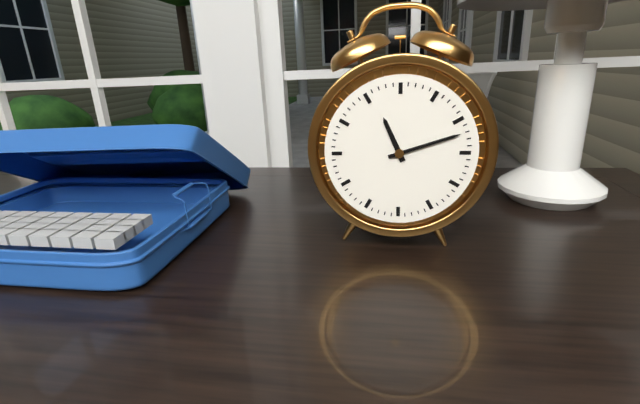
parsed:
11,12
